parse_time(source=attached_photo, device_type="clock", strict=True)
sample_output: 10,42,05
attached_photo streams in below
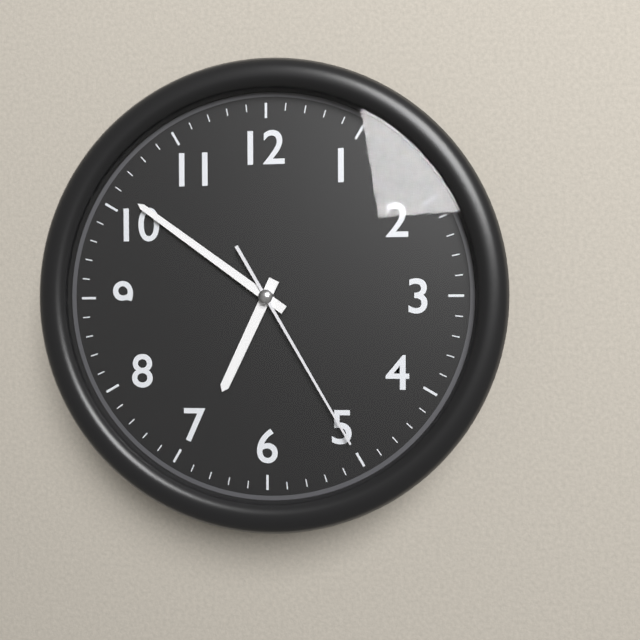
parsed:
6,51,25
